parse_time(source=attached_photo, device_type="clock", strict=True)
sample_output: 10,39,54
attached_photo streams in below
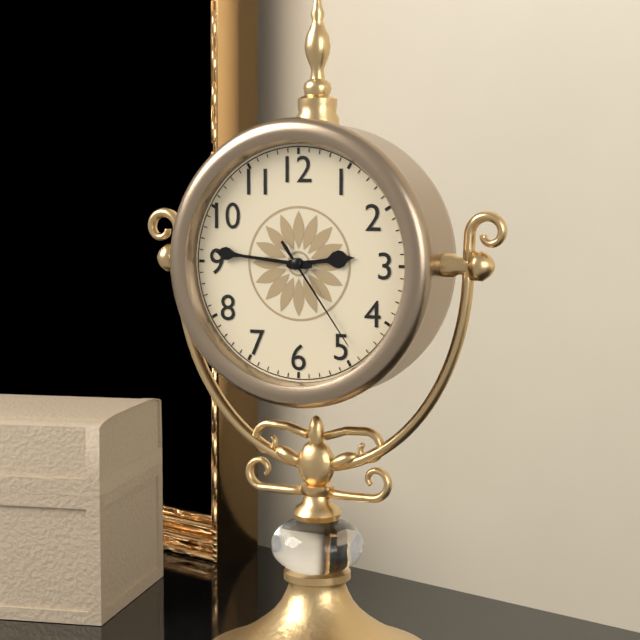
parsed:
2,46,24
